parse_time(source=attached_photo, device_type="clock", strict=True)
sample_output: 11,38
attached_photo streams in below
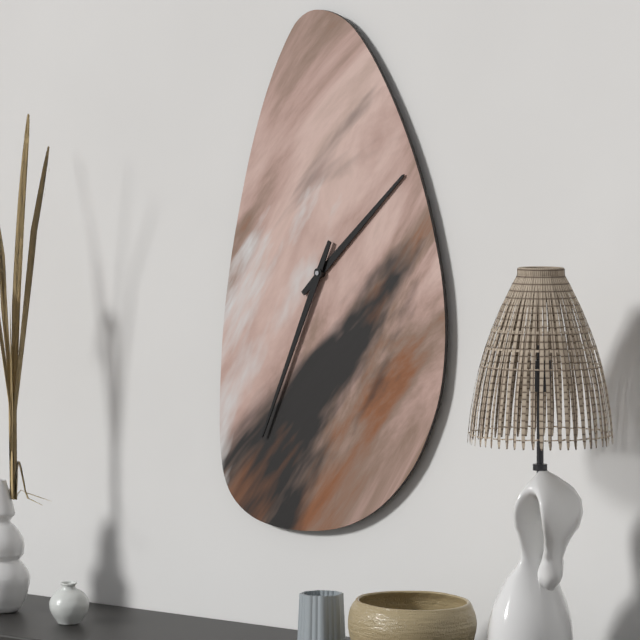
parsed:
1,34
